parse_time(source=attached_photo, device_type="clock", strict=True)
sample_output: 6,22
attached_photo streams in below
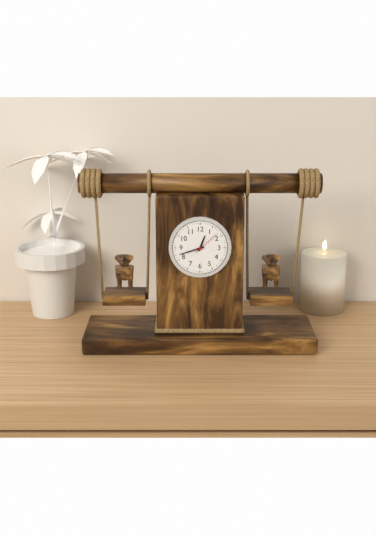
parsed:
12,42
